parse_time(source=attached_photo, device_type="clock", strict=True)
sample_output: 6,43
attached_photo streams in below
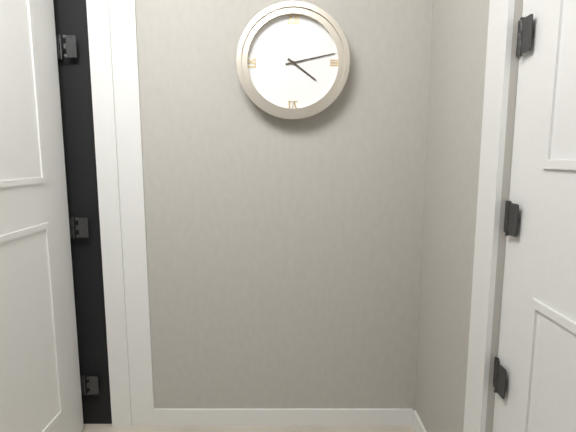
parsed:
4,13
